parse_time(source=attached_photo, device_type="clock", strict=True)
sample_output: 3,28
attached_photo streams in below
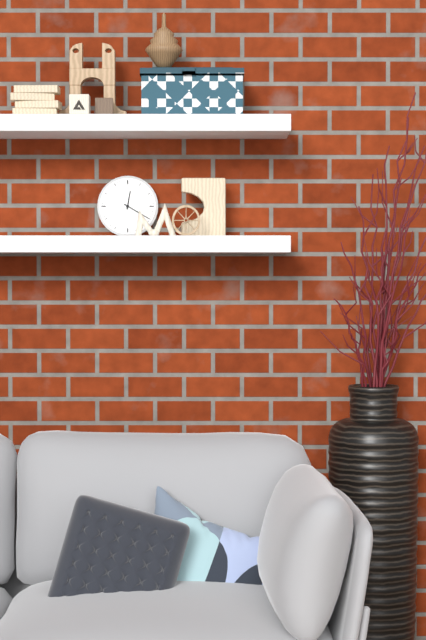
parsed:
12,20
